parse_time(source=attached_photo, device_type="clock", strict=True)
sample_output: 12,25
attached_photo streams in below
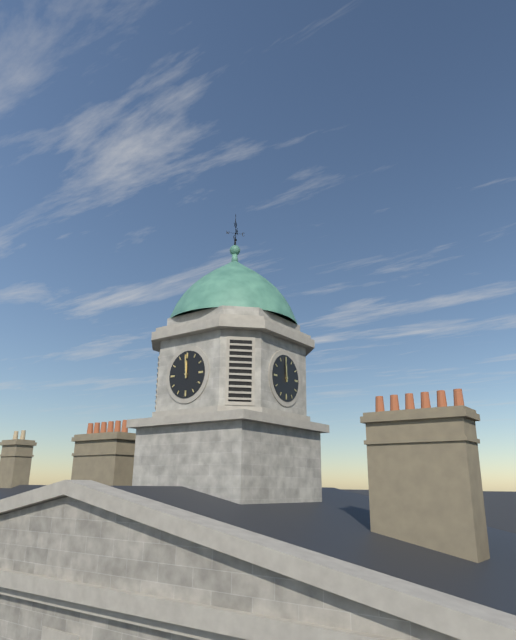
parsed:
11,59
